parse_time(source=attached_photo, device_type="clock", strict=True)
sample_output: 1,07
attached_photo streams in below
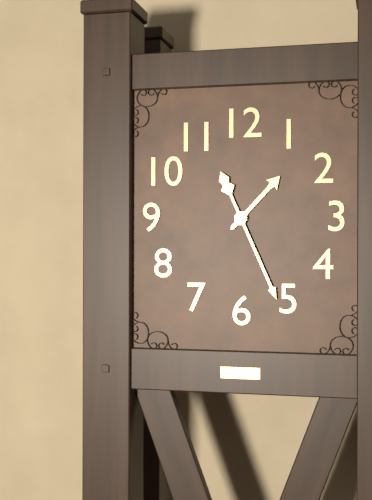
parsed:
1,26
